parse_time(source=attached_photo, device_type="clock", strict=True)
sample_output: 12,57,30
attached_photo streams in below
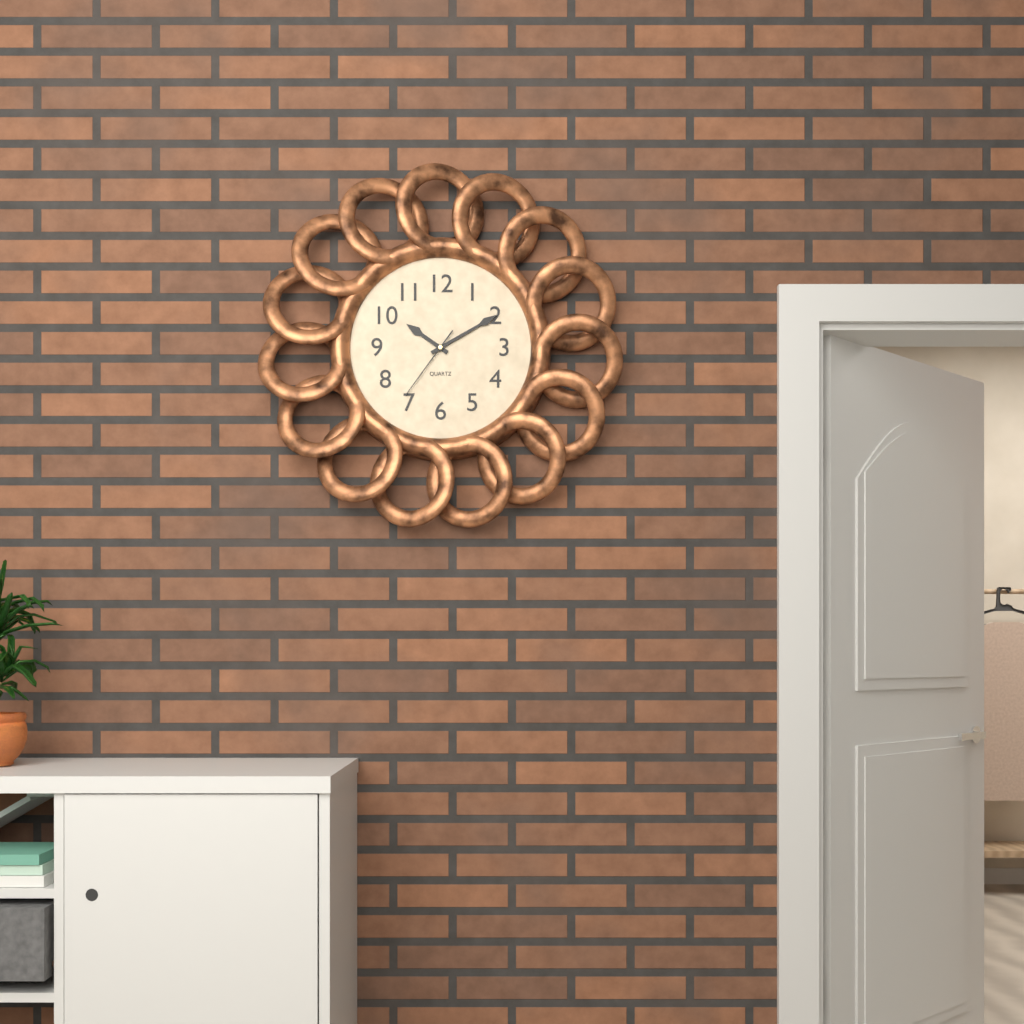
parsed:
10,10,36
